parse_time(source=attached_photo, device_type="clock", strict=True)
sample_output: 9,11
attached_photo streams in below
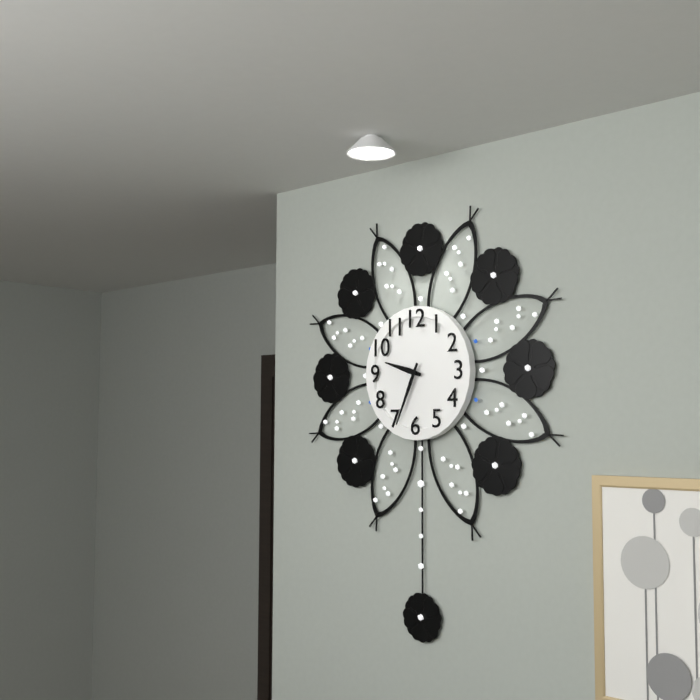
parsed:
9,34
